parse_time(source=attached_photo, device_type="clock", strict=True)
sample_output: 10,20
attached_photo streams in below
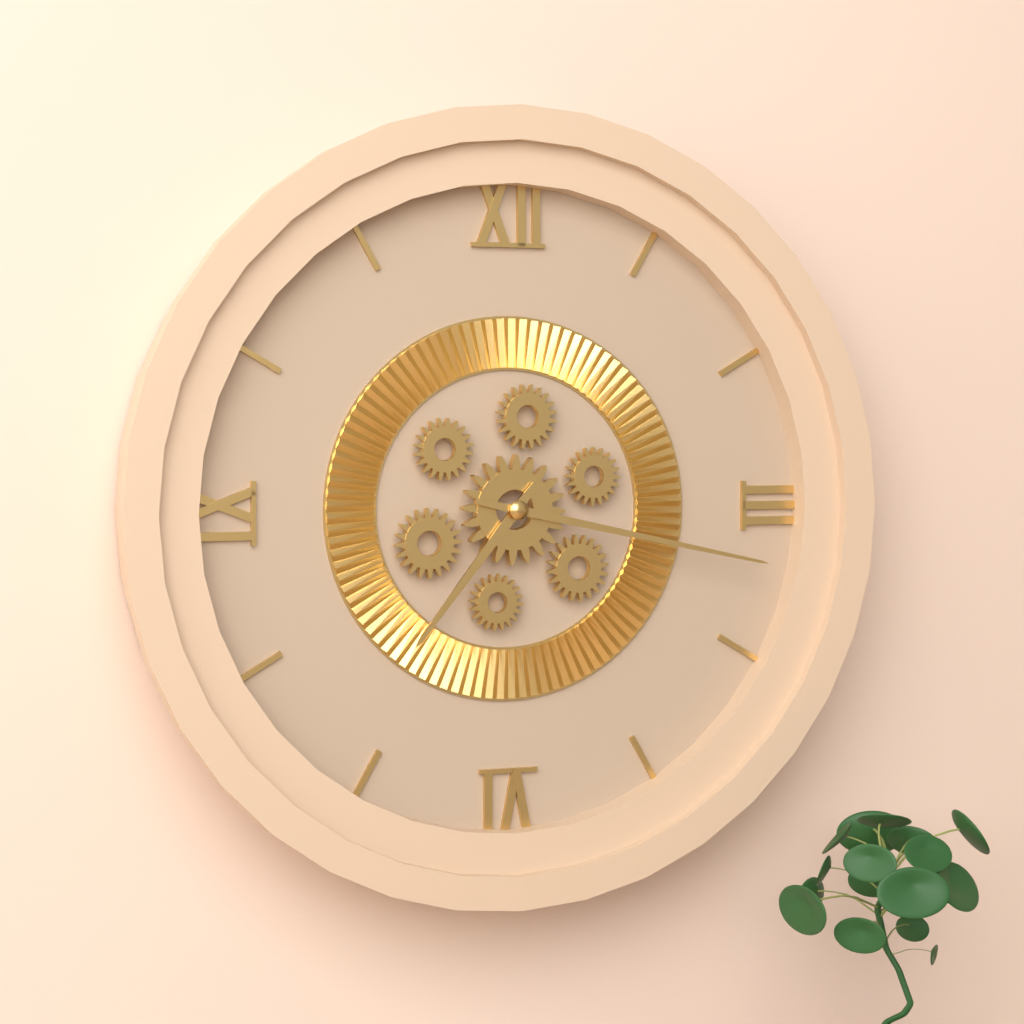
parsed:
7,17
